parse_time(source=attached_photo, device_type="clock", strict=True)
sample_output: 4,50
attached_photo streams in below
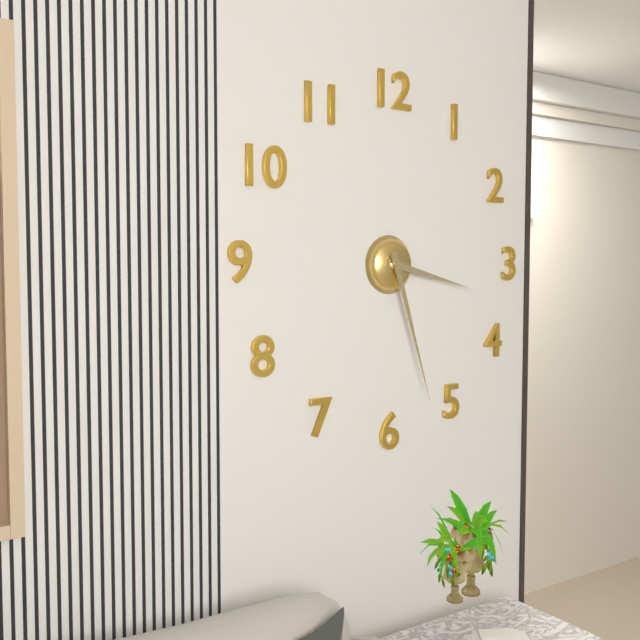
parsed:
3,27
